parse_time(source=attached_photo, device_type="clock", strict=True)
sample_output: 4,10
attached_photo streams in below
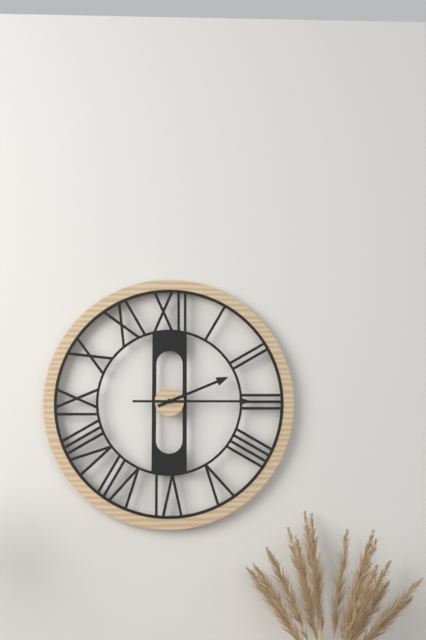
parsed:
2,15
